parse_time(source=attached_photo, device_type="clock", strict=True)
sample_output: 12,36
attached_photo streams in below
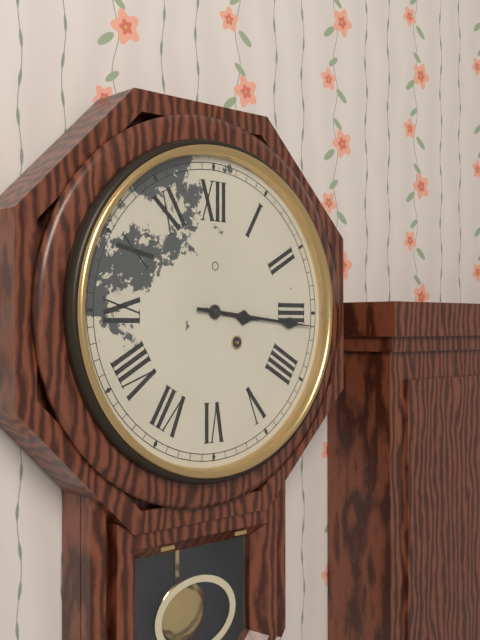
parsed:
3,16
